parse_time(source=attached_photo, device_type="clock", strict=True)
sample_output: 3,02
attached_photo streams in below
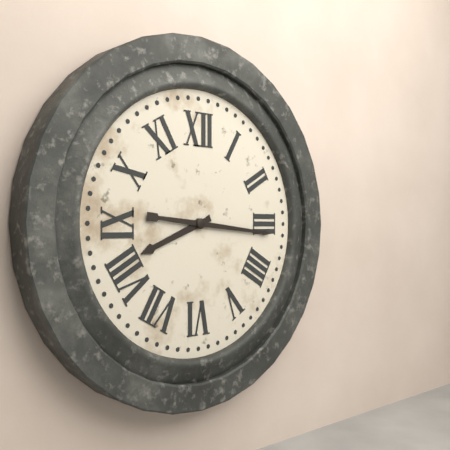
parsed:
8,16
